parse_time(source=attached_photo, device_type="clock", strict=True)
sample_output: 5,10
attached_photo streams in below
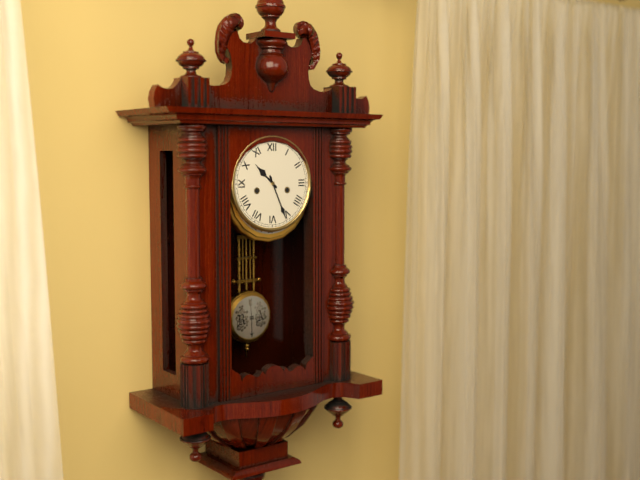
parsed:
10,26
